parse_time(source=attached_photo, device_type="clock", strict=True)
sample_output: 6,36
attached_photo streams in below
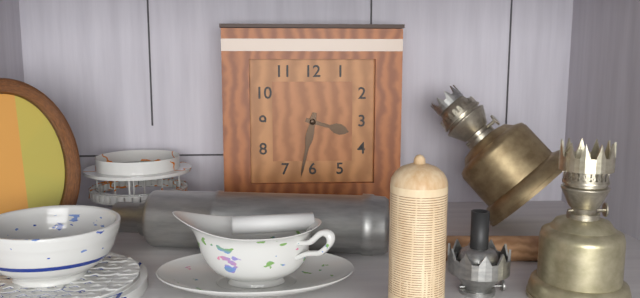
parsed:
3,32
